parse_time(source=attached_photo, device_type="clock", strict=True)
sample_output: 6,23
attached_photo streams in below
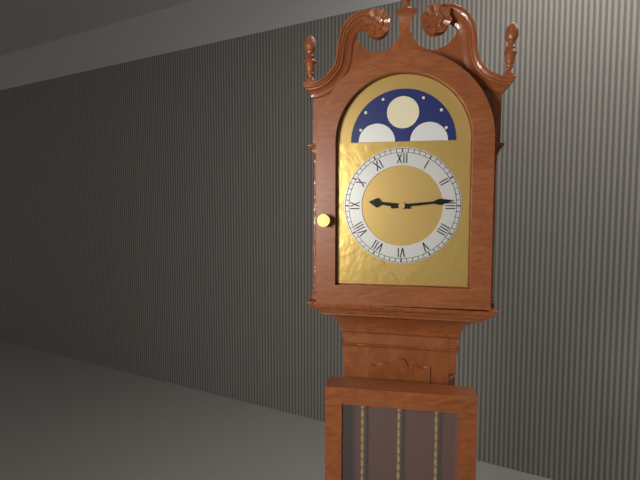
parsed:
9,14
